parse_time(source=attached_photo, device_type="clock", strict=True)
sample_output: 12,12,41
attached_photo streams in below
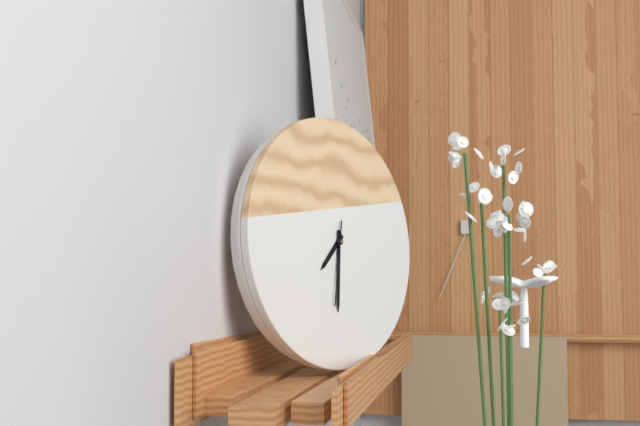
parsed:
7,31,32
